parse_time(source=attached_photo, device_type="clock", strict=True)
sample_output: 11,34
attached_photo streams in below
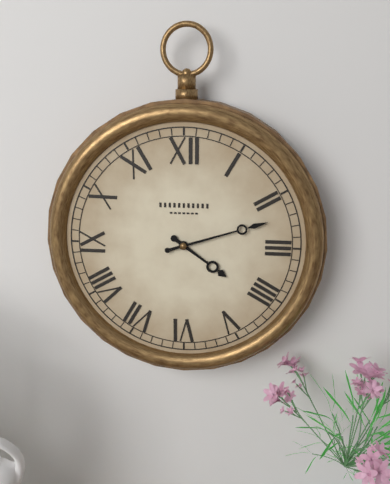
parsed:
4,12
